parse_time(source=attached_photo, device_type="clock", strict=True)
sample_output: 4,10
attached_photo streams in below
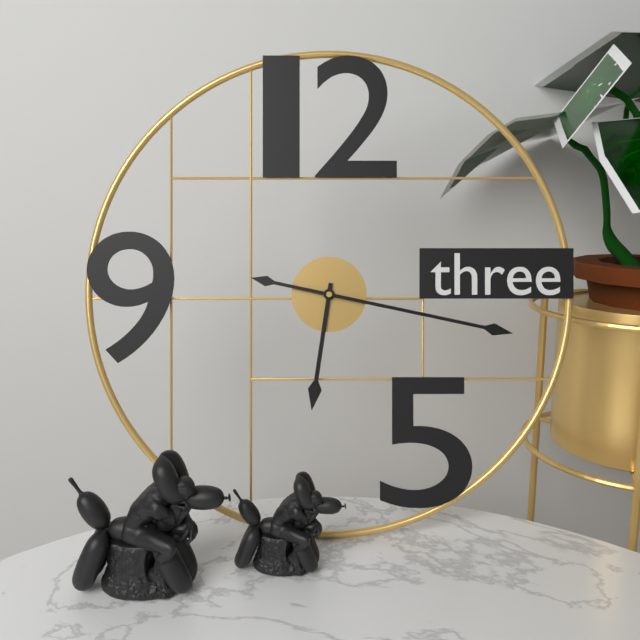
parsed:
6,17
